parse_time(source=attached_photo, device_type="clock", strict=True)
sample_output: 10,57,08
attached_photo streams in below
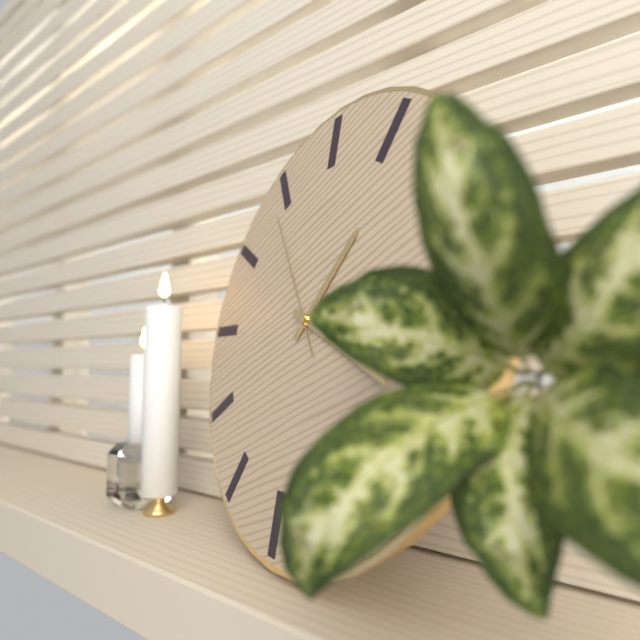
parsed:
1,19,54
